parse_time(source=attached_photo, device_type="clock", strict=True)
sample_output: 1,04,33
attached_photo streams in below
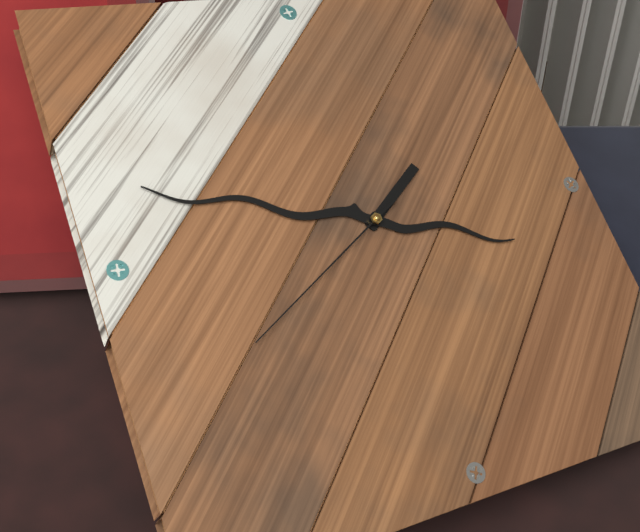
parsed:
1,48,40
